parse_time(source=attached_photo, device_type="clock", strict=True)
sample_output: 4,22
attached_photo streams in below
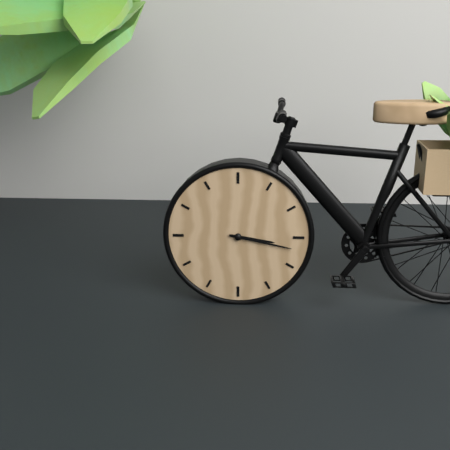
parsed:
3,17
